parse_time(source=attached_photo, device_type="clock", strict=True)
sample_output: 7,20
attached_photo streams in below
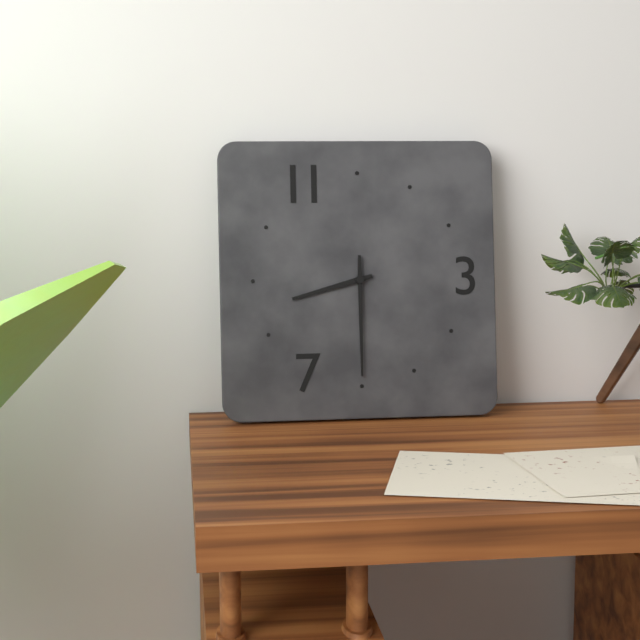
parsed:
8,30
